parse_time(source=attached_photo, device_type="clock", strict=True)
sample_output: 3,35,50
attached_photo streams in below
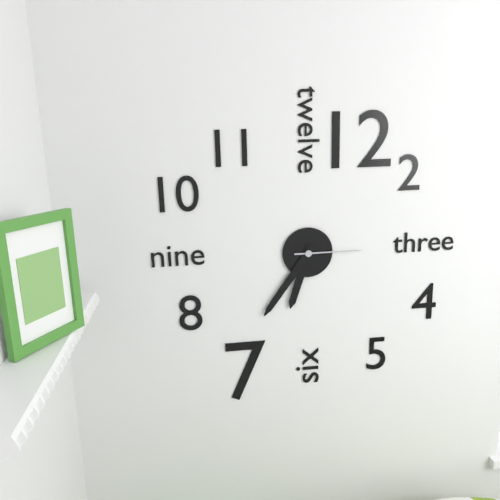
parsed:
6,36,15
